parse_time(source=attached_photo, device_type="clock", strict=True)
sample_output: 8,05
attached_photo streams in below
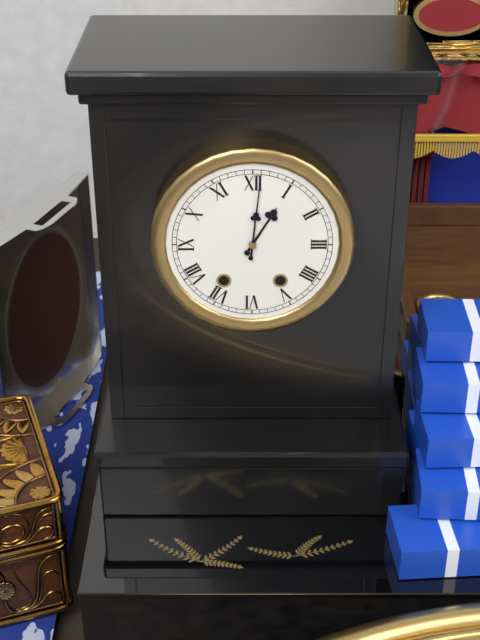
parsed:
1,01
